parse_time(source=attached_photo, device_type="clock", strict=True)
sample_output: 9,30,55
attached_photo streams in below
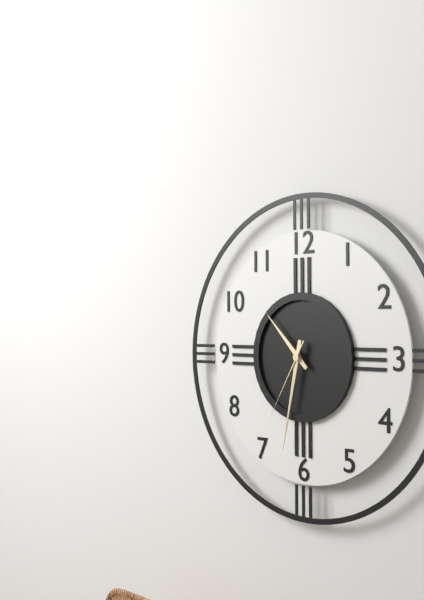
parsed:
10,32,35
